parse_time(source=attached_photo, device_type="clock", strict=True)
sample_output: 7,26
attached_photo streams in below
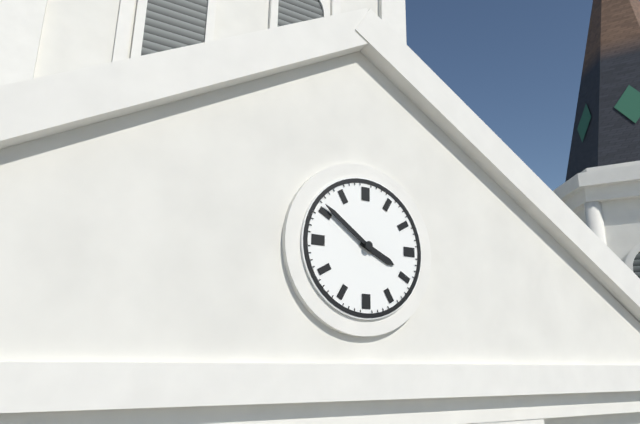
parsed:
3,51
